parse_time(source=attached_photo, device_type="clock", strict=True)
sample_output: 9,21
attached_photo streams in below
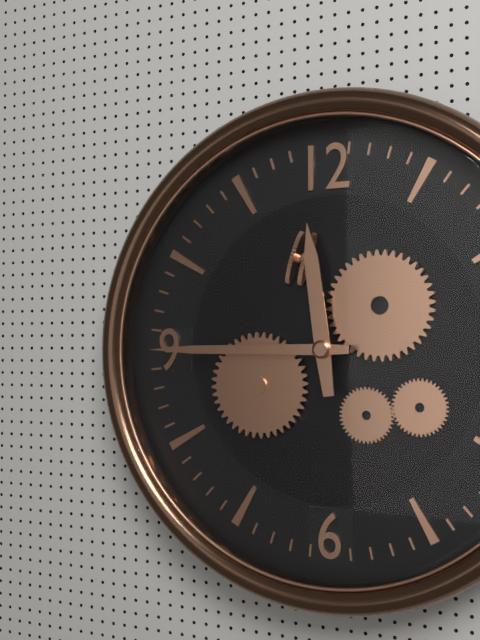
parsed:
11,45
